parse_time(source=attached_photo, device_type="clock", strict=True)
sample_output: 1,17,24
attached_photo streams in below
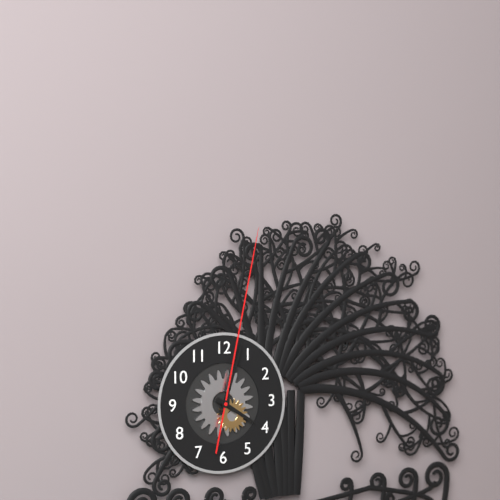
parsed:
4,03,02
